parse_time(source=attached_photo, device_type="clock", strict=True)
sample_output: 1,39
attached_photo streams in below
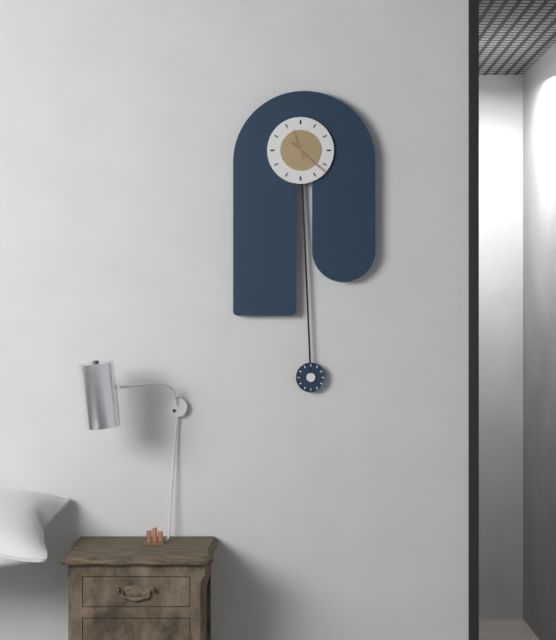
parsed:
11,22
